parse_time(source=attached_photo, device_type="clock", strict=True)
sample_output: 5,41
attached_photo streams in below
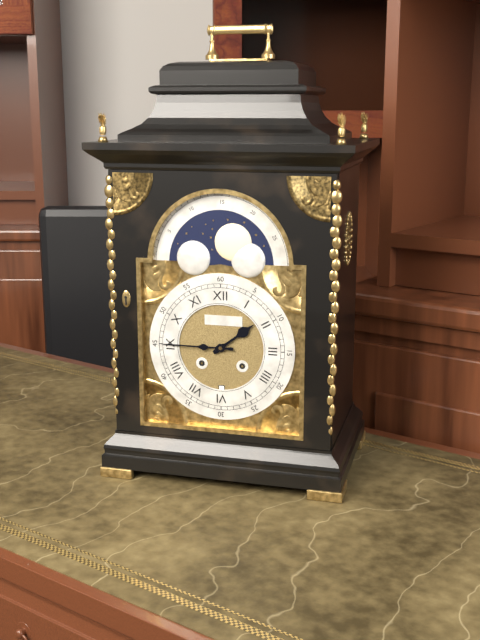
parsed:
1,45
